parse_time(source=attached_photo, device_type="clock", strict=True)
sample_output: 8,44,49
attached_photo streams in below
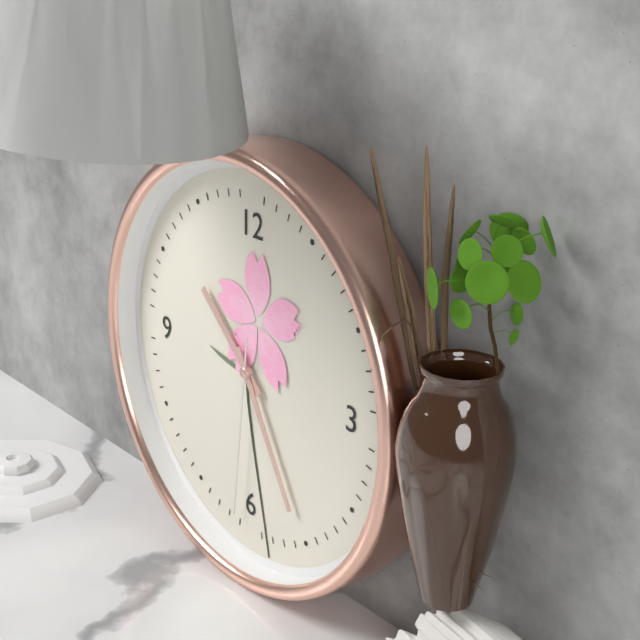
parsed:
10,25,31
